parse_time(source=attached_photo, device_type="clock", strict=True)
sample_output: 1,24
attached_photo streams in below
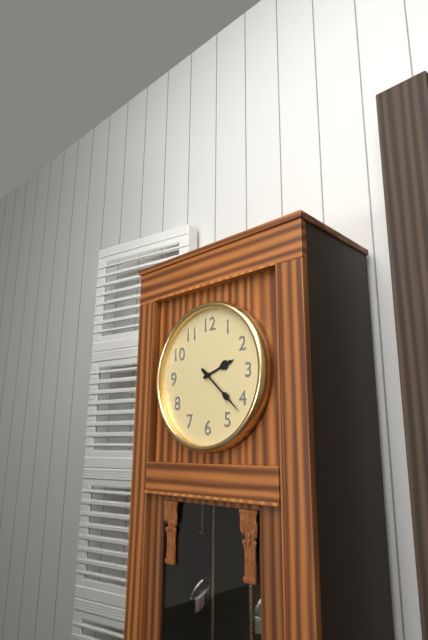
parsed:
2,22
